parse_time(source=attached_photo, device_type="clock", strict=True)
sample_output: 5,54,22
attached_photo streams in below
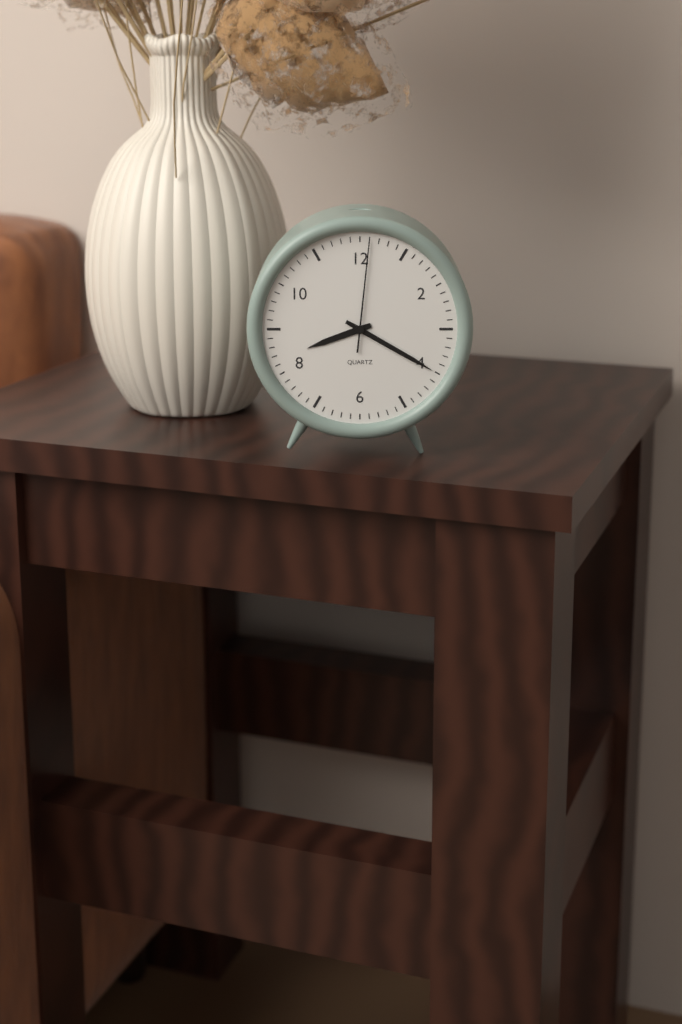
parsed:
8,20,01
